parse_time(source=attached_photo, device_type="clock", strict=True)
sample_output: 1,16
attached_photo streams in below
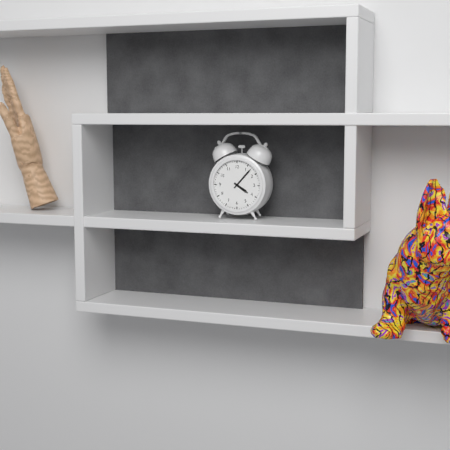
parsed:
4,07
